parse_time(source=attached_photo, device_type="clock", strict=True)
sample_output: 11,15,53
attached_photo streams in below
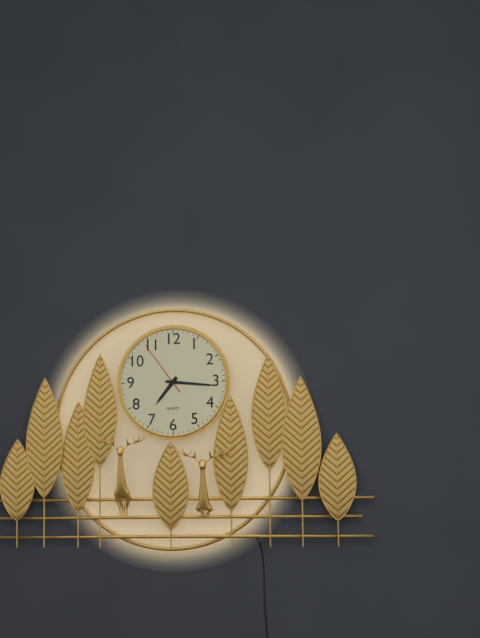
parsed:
7,16,54
